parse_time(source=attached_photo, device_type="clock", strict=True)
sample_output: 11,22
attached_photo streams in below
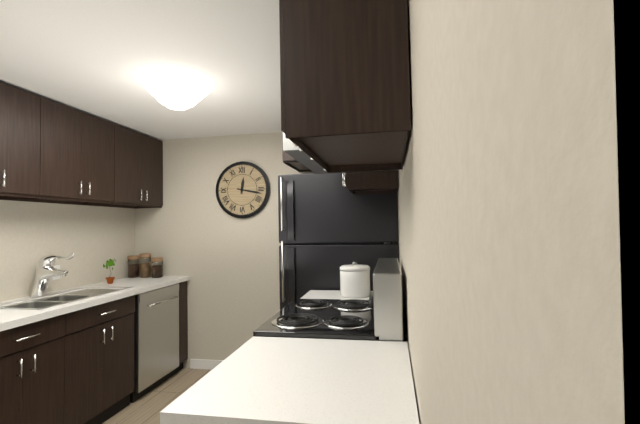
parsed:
12,17
